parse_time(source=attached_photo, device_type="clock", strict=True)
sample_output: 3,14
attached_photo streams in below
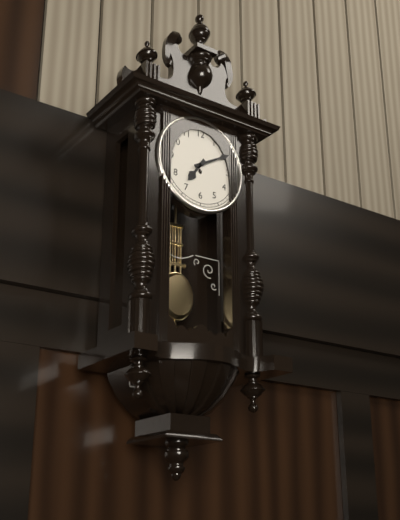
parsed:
7,10
